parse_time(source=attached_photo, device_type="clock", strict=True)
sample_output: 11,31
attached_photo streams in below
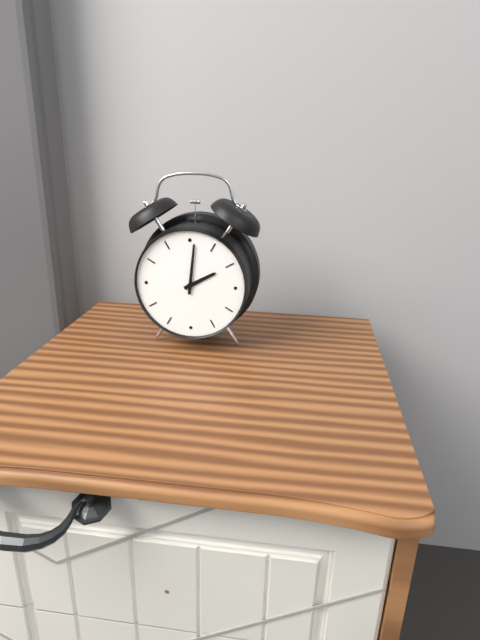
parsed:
2,01
